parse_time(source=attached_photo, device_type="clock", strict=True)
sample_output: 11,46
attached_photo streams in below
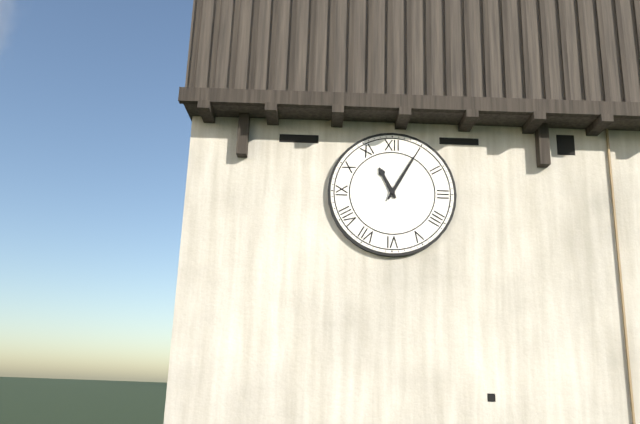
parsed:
11,05
